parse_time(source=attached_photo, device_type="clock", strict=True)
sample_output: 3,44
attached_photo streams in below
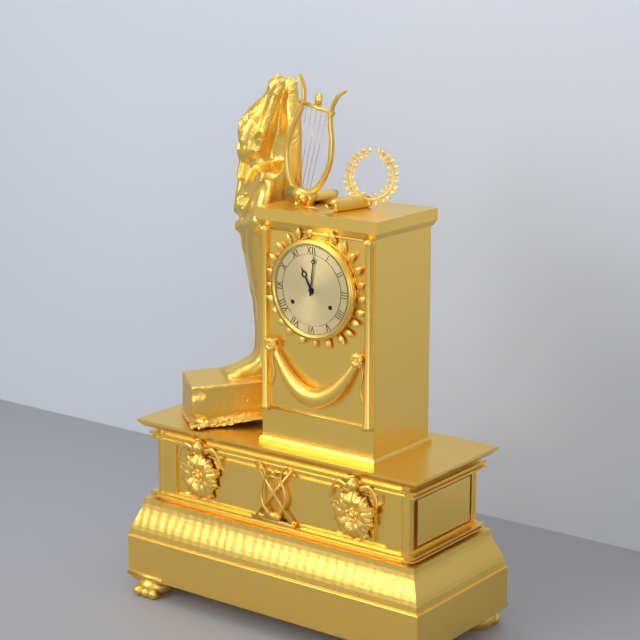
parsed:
11,01
